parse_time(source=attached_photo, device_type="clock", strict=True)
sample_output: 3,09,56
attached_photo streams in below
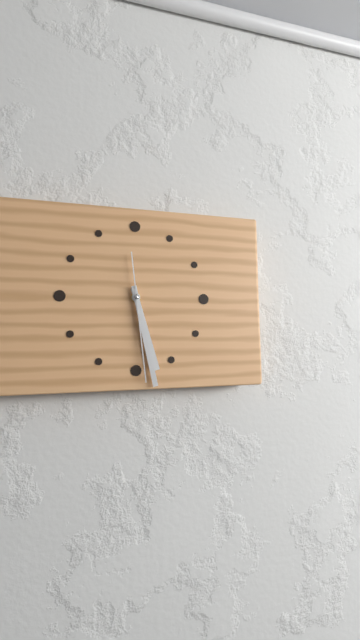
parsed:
5,28,29
